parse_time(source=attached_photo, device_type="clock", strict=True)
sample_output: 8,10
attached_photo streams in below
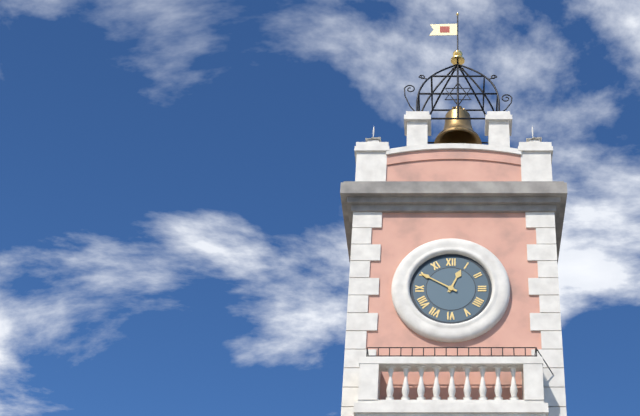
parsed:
12,50
